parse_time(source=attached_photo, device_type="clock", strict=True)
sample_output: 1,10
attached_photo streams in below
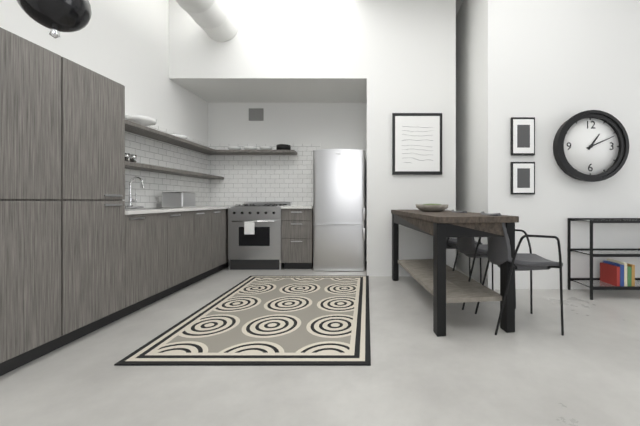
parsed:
1,11
